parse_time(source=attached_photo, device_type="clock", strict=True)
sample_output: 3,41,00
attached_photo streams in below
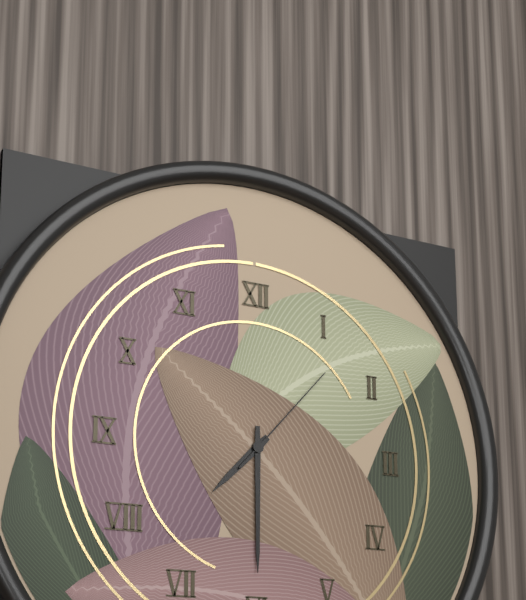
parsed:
7,30,07
